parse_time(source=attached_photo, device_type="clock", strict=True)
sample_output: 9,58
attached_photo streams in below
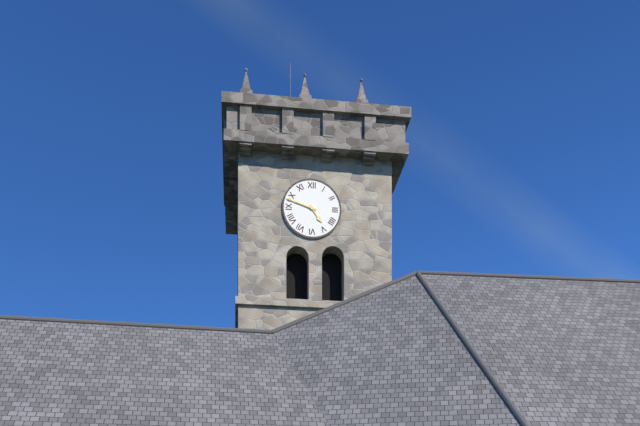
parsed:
4,48
